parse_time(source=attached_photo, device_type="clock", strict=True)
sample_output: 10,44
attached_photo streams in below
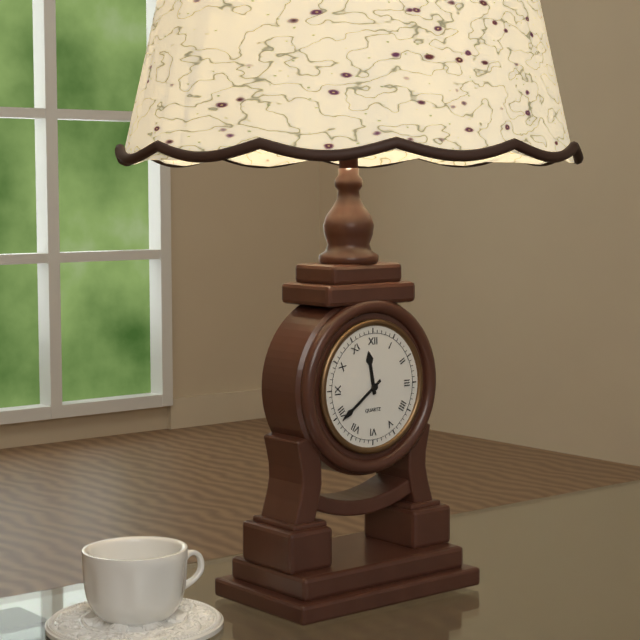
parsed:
11,39
